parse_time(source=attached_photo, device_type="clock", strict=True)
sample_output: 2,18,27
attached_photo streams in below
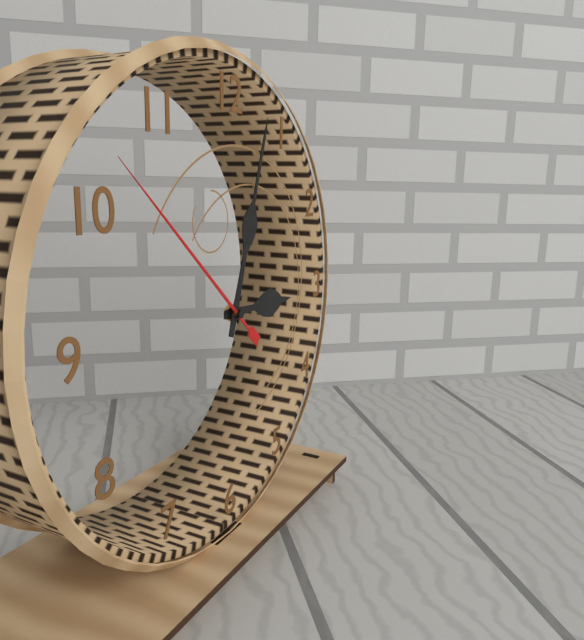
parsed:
3,03,52
